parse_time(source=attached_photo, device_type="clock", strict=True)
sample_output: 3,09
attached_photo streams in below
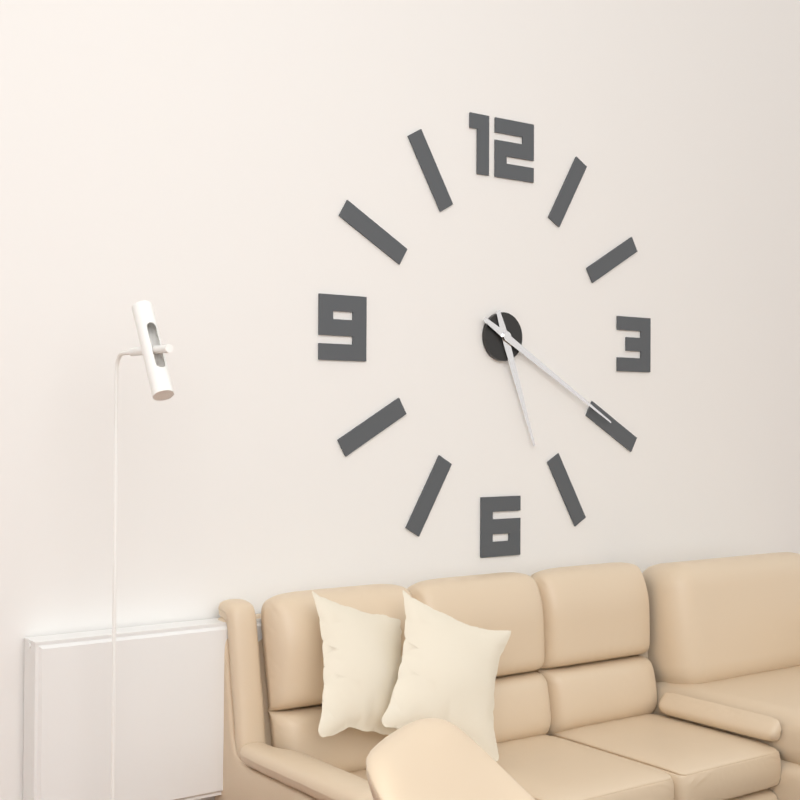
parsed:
5,20
